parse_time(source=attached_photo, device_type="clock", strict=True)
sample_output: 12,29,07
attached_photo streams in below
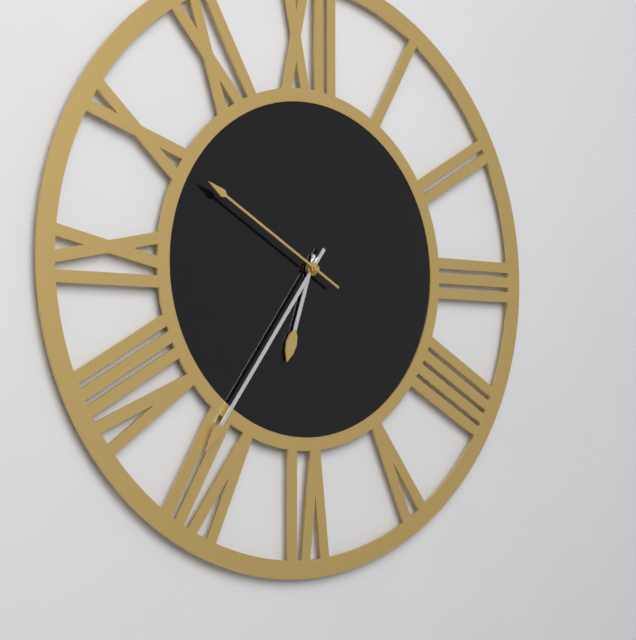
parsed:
6,36,50
